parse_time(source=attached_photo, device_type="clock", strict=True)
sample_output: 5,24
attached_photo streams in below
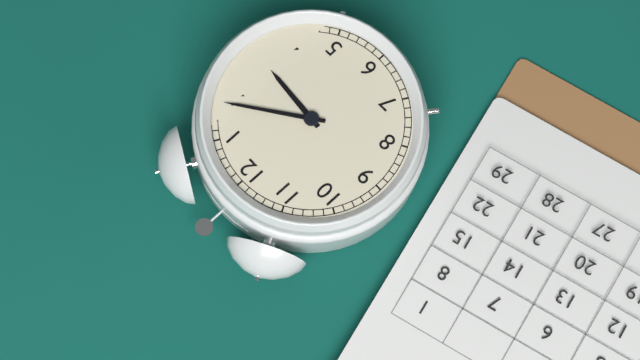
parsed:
3,09
